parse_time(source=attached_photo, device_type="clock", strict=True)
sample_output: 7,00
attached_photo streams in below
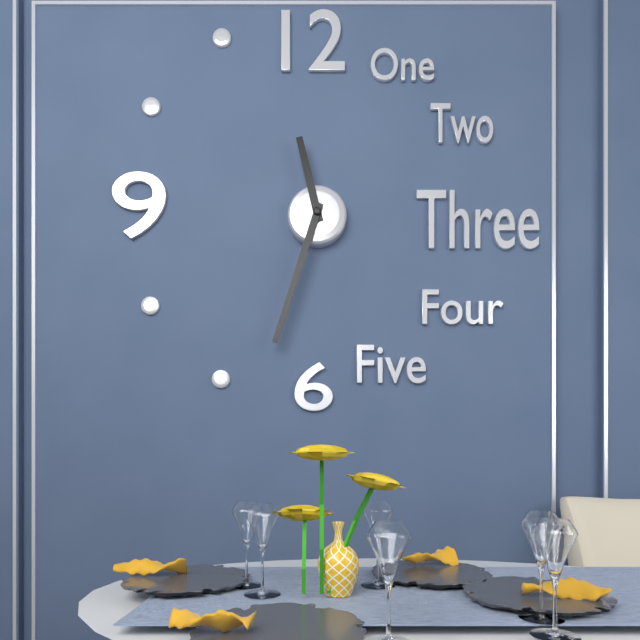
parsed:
11,33
